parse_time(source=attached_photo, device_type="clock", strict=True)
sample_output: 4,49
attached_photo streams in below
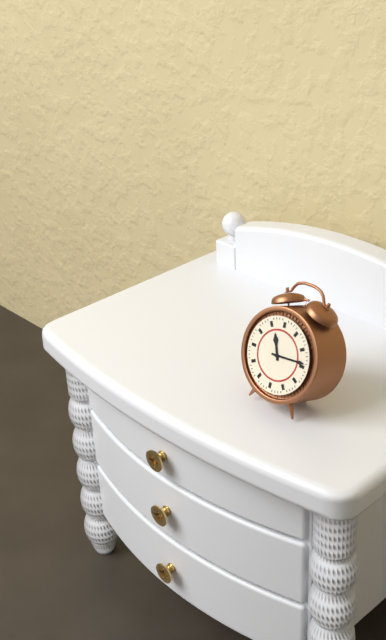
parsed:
11,14
